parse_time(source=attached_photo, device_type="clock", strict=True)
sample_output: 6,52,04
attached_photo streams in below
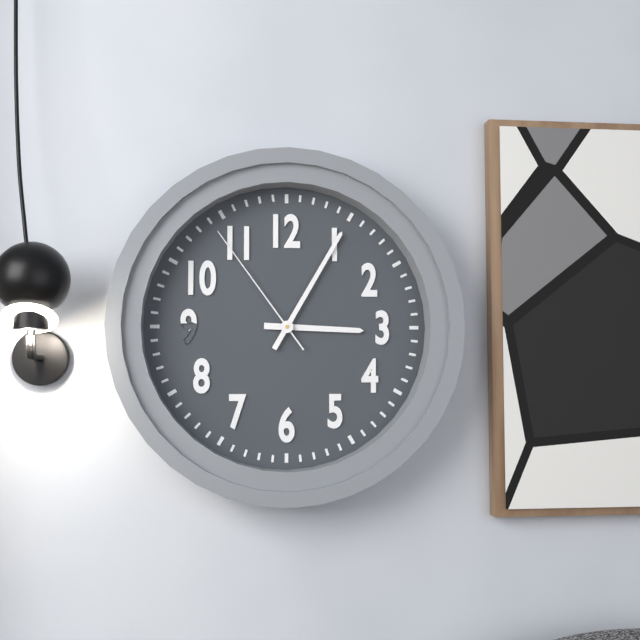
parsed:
3,05,54
